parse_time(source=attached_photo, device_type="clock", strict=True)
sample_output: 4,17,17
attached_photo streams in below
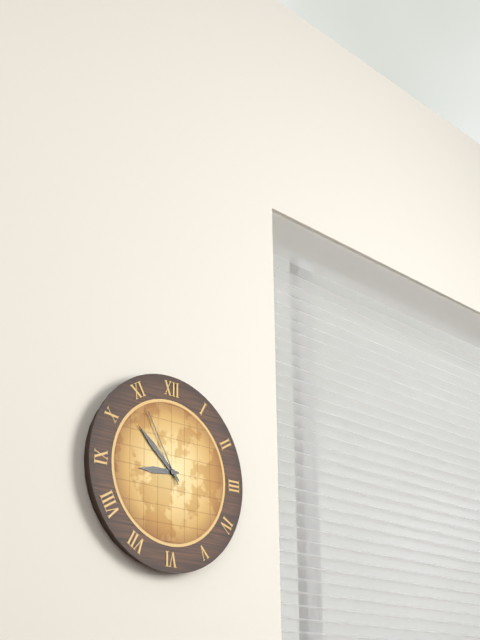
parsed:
8,52,55
